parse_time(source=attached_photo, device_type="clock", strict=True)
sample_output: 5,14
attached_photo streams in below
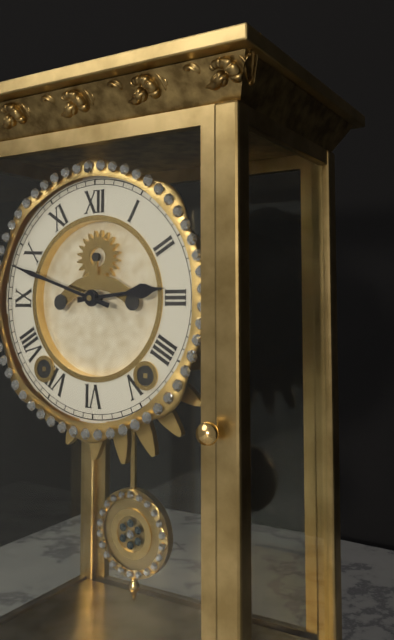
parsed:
2,48
